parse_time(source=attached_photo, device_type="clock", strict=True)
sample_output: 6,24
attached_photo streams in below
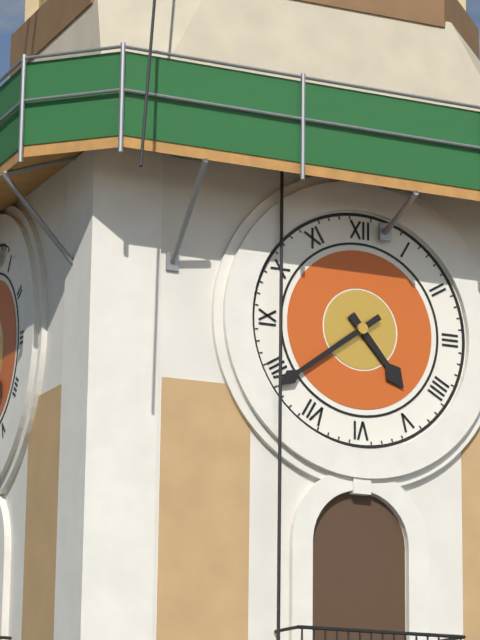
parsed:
4,39
